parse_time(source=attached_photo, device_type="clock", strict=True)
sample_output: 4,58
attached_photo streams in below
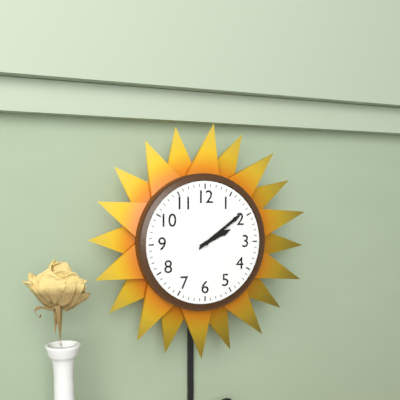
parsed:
2,09
